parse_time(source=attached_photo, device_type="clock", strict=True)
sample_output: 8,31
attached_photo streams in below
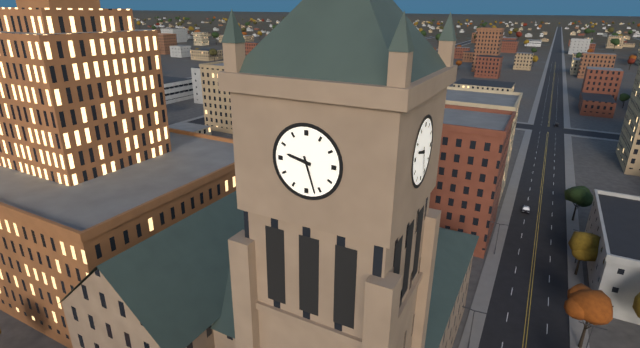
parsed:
9,27
